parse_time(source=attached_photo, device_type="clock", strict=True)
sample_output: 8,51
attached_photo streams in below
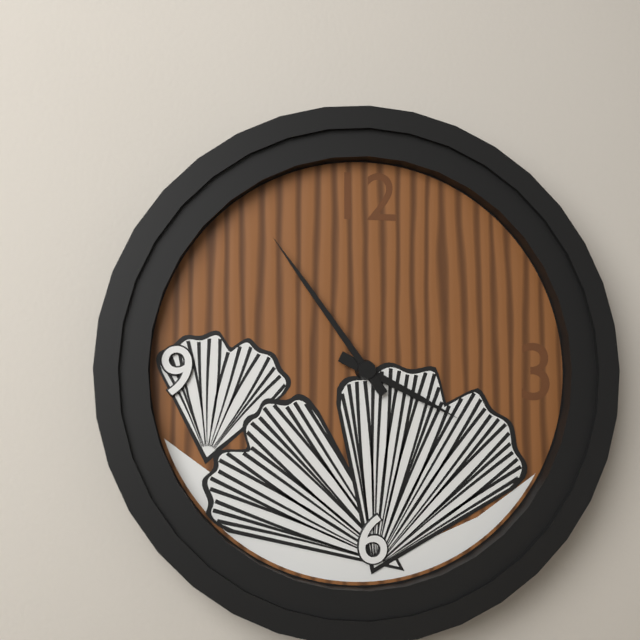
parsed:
3,54
